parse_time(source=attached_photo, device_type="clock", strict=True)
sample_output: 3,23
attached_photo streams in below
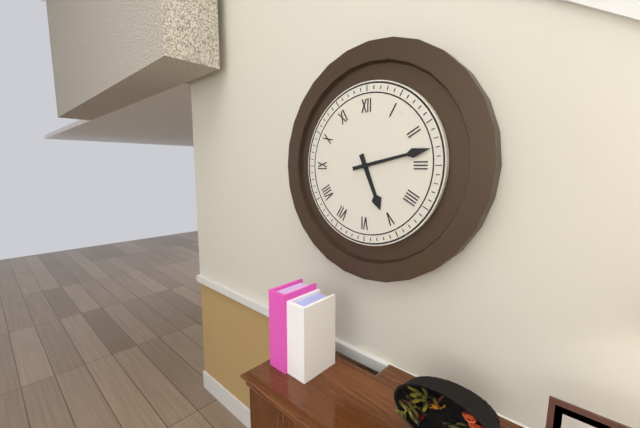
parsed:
5,13
